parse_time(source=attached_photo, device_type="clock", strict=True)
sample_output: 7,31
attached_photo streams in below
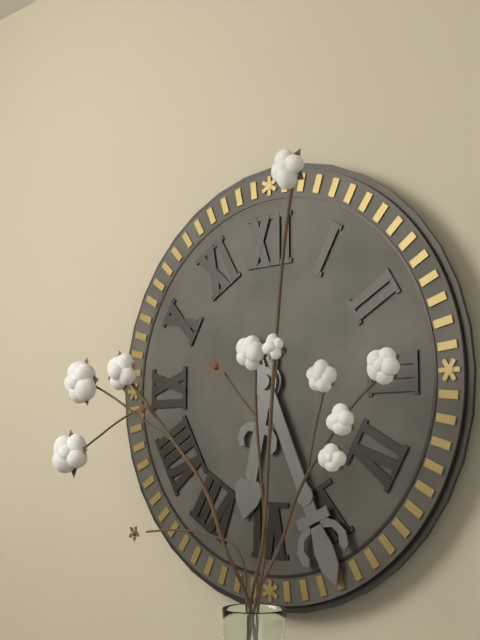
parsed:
6,26
